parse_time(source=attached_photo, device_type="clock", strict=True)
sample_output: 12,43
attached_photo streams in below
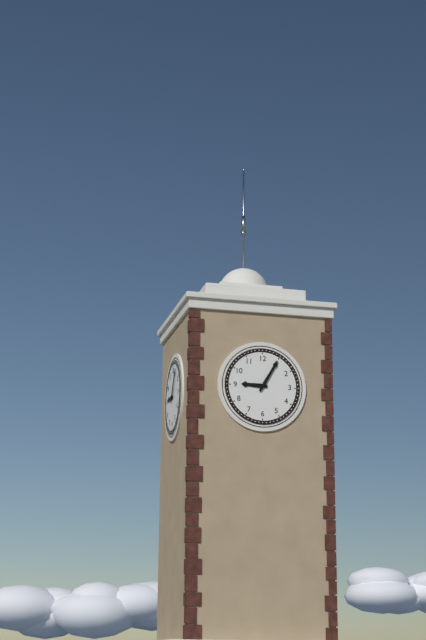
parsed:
9,05
